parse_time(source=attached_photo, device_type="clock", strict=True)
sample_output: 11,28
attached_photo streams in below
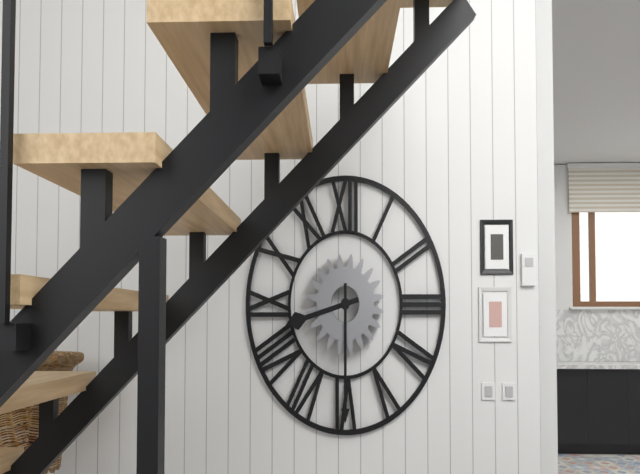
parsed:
8,30
